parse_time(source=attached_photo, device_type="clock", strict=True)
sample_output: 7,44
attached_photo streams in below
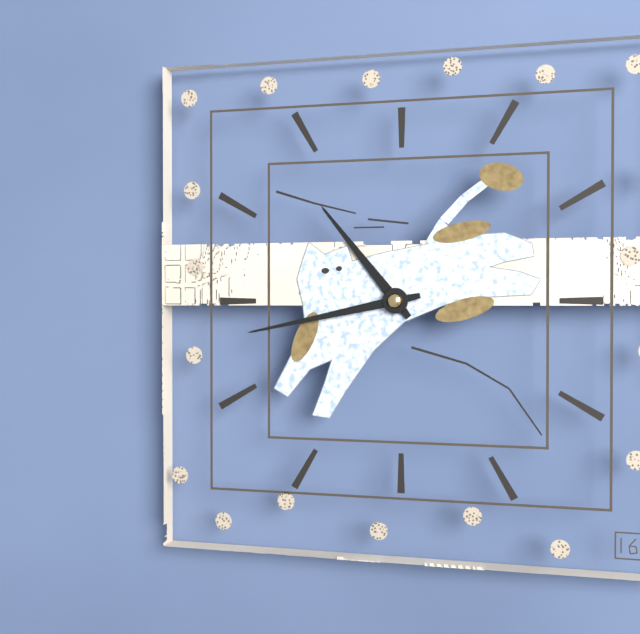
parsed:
10,43
